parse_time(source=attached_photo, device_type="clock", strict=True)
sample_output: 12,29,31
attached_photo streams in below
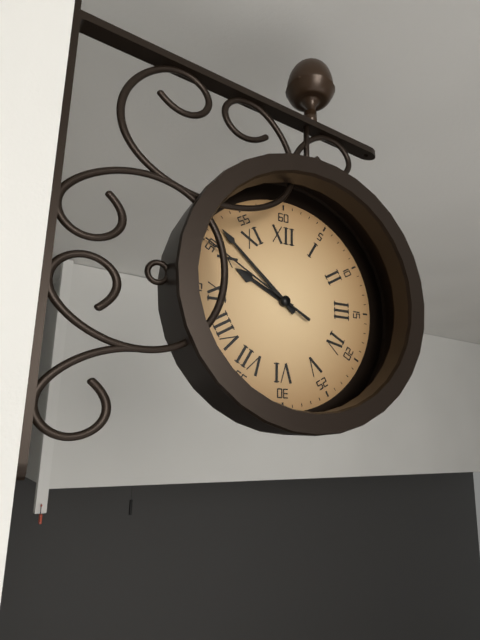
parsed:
9,52,50
